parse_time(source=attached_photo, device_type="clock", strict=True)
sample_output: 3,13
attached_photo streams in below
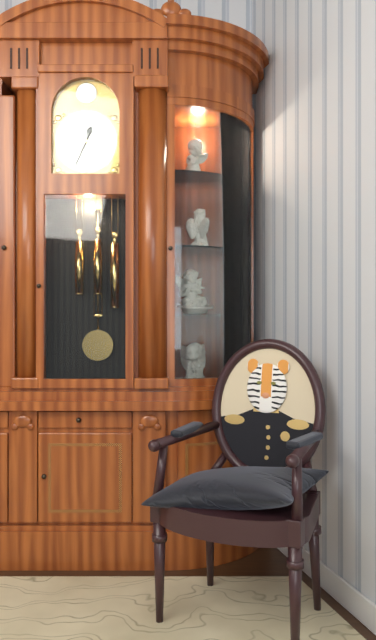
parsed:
12,34
